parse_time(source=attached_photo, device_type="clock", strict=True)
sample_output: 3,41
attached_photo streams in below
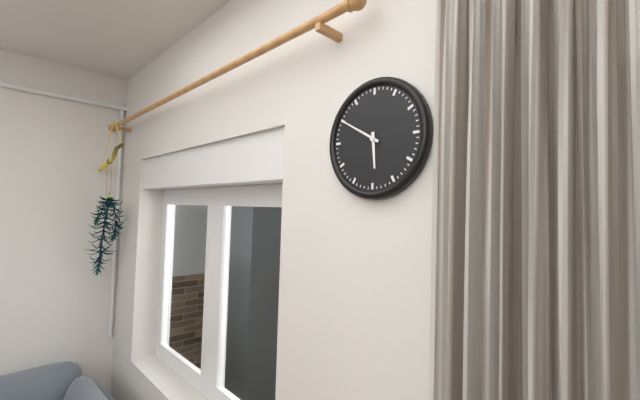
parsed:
5,50
